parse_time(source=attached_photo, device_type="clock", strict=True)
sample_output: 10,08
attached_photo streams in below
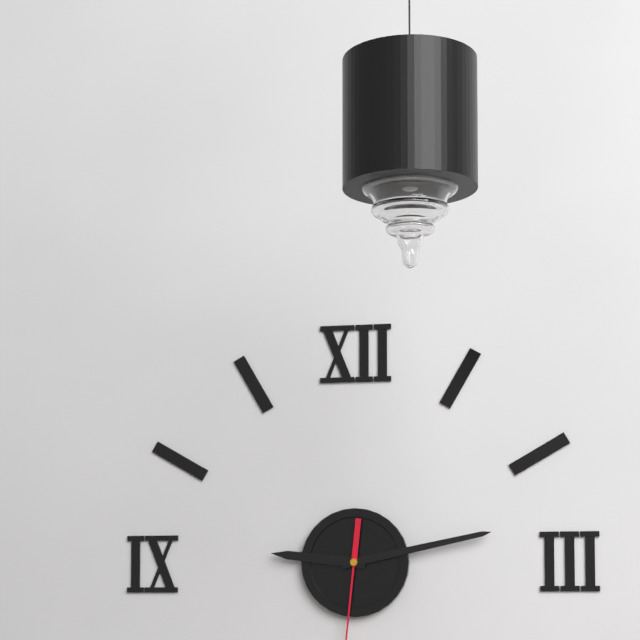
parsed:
9,13
